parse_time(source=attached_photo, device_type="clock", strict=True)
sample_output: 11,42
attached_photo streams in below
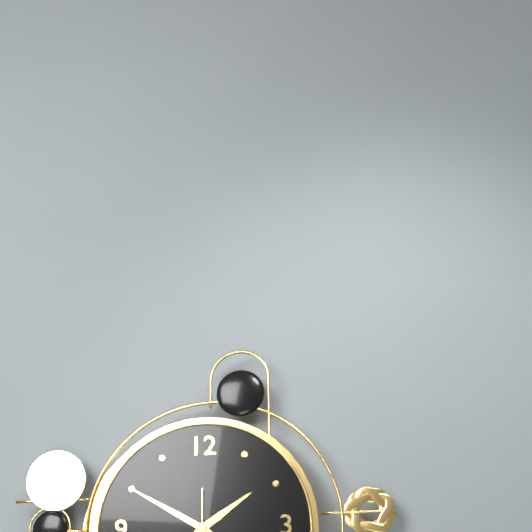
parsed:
1,50
